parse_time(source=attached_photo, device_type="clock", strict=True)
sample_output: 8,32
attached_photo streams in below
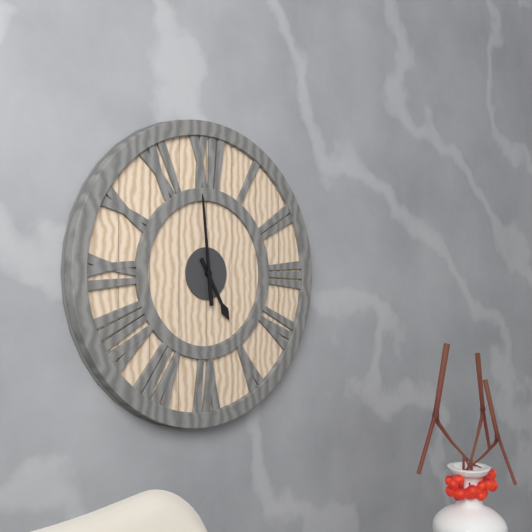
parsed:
4,59
